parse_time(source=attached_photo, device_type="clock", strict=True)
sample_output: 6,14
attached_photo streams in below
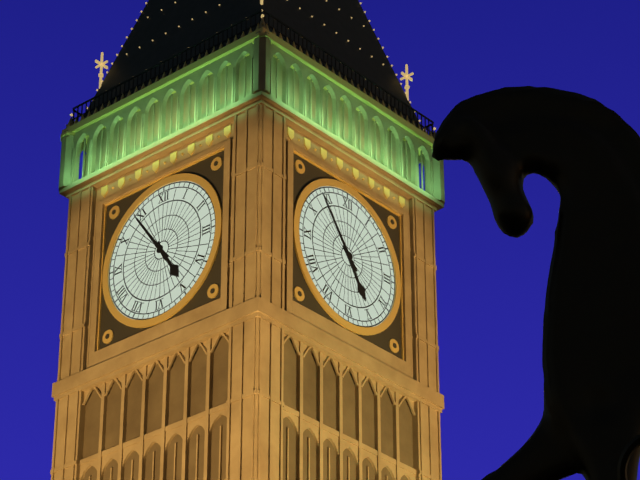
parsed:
4,54
